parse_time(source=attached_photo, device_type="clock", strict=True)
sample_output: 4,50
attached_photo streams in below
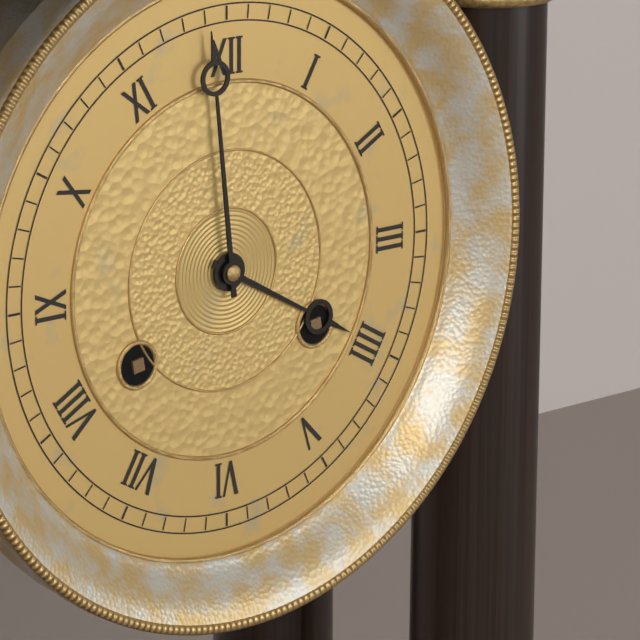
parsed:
3,59
